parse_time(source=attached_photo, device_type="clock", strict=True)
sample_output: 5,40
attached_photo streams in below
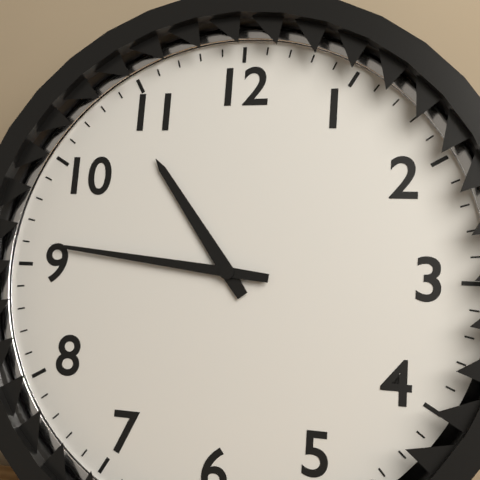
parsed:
10,46
